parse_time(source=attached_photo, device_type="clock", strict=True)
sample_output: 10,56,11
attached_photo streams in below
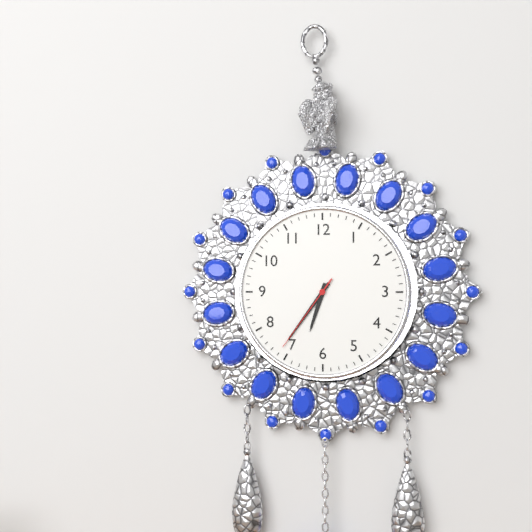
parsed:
6,36,36
